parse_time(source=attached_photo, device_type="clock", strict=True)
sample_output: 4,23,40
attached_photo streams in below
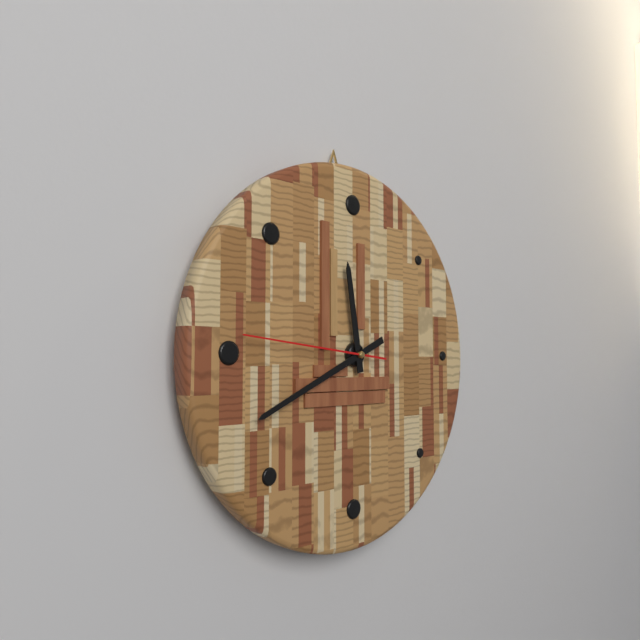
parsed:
11,41,46
